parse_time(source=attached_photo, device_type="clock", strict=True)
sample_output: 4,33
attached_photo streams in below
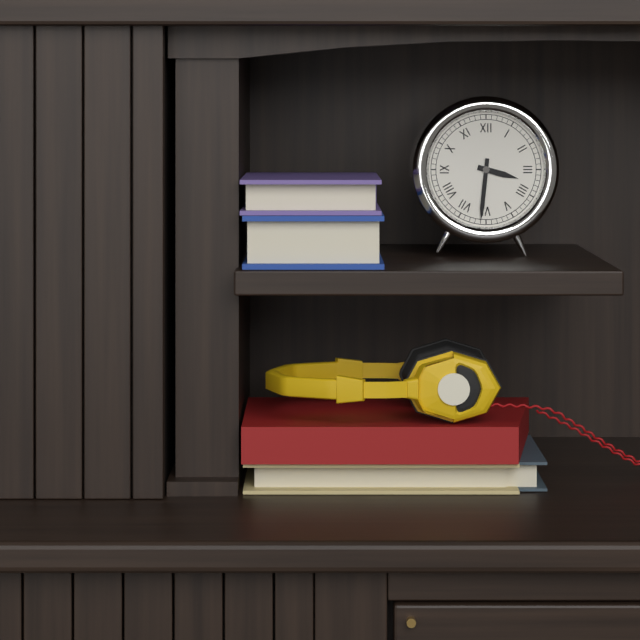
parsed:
3,31
